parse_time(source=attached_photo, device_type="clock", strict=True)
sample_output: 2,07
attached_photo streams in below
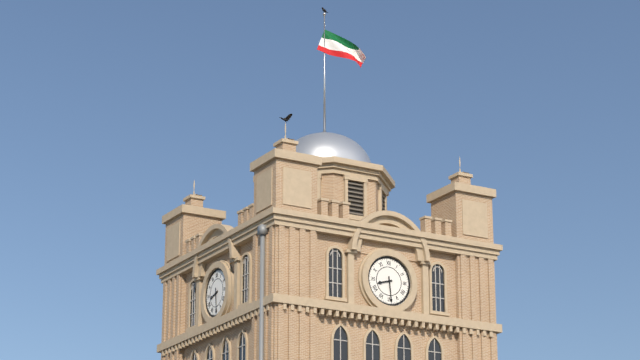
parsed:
8,29
